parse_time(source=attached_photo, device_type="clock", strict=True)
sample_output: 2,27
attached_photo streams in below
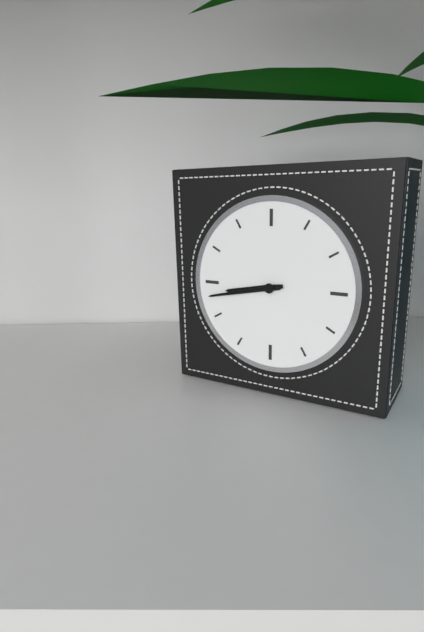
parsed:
8,43
